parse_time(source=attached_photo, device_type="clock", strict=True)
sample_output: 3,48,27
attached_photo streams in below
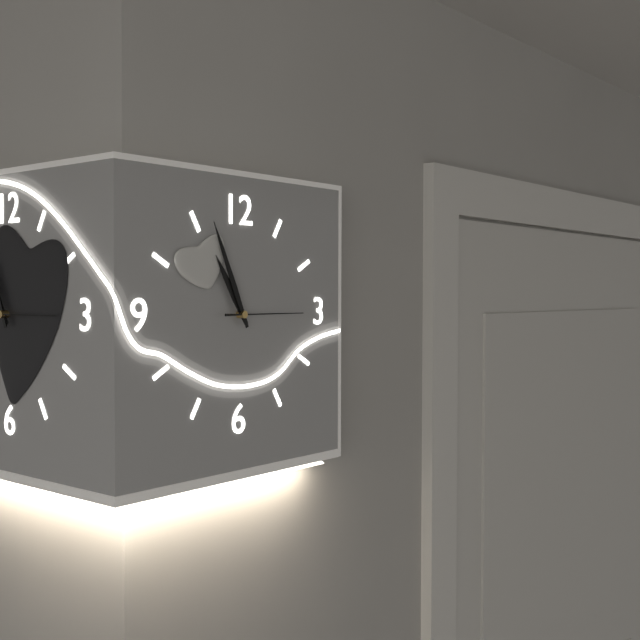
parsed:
10,56,15
